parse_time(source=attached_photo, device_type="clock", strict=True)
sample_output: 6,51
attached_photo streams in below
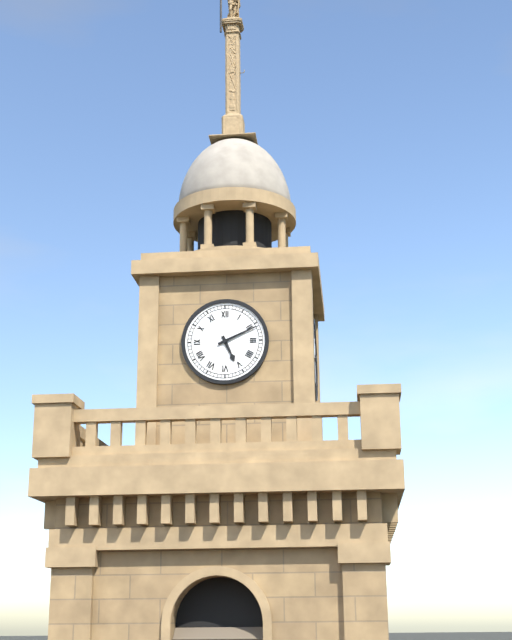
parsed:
5,11
